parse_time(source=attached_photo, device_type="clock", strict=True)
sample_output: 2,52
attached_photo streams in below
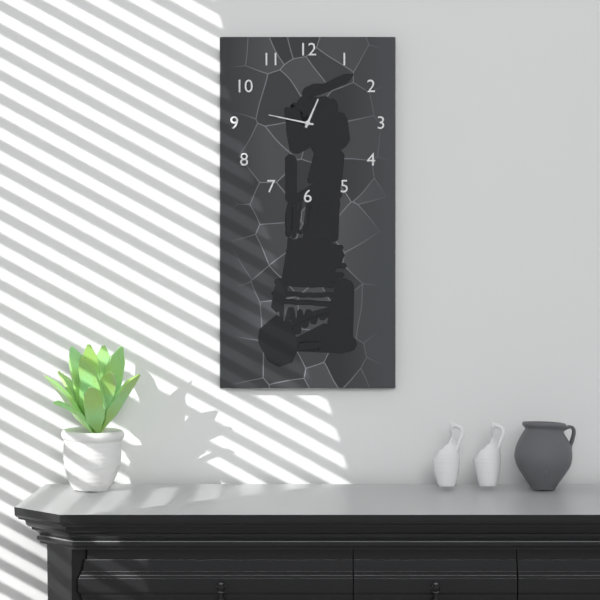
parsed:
12,47
